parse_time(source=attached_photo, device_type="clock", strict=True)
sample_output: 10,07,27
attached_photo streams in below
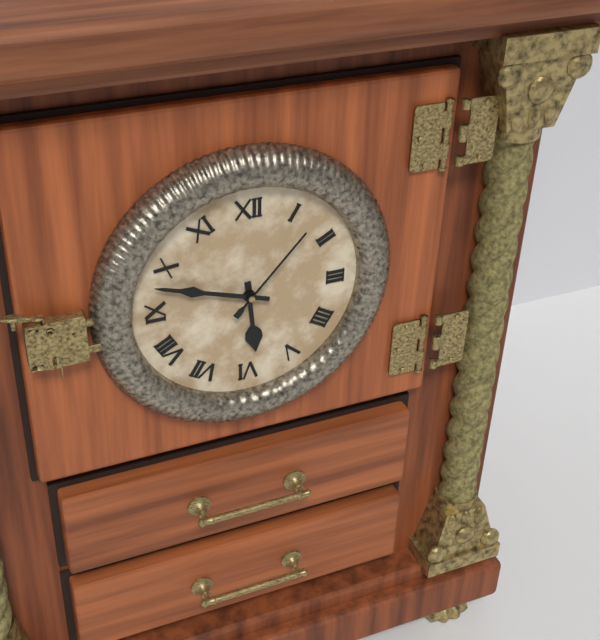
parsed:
5,48,07
